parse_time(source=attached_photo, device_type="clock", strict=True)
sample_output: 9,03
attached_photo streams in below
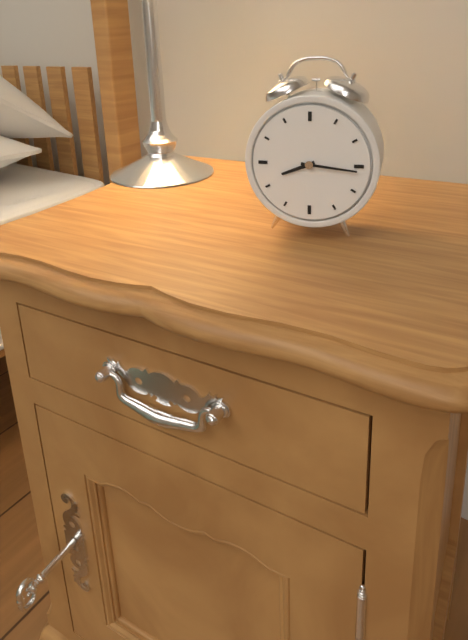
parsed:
8,16
